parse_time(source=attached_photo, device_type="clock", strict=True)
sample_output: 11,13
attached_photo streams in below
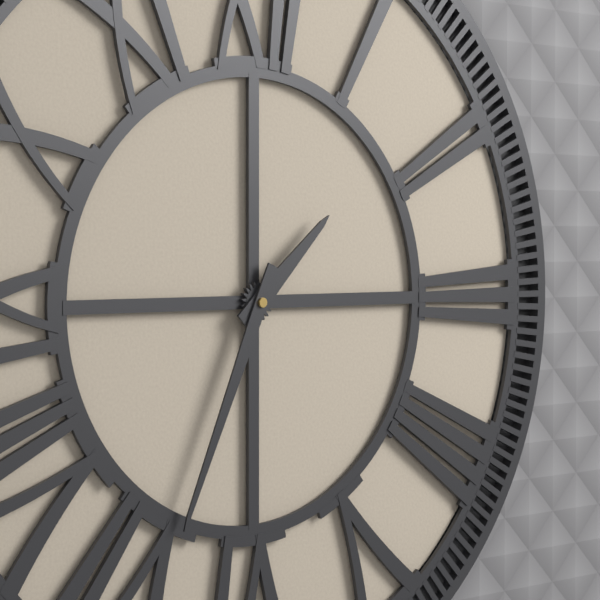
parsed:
1,34
